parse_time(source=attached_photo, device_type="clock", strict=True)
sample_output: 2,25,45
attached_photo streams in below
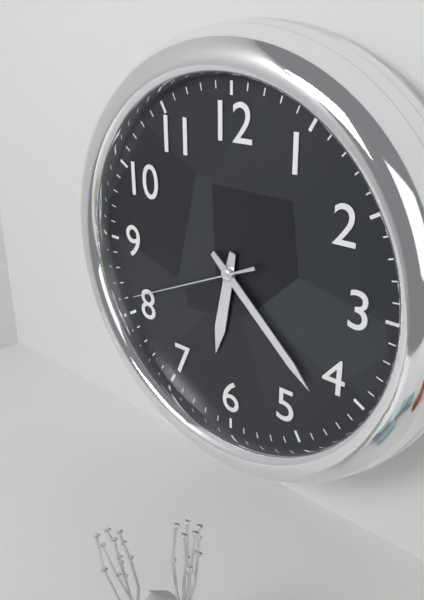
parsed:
6,22,41
